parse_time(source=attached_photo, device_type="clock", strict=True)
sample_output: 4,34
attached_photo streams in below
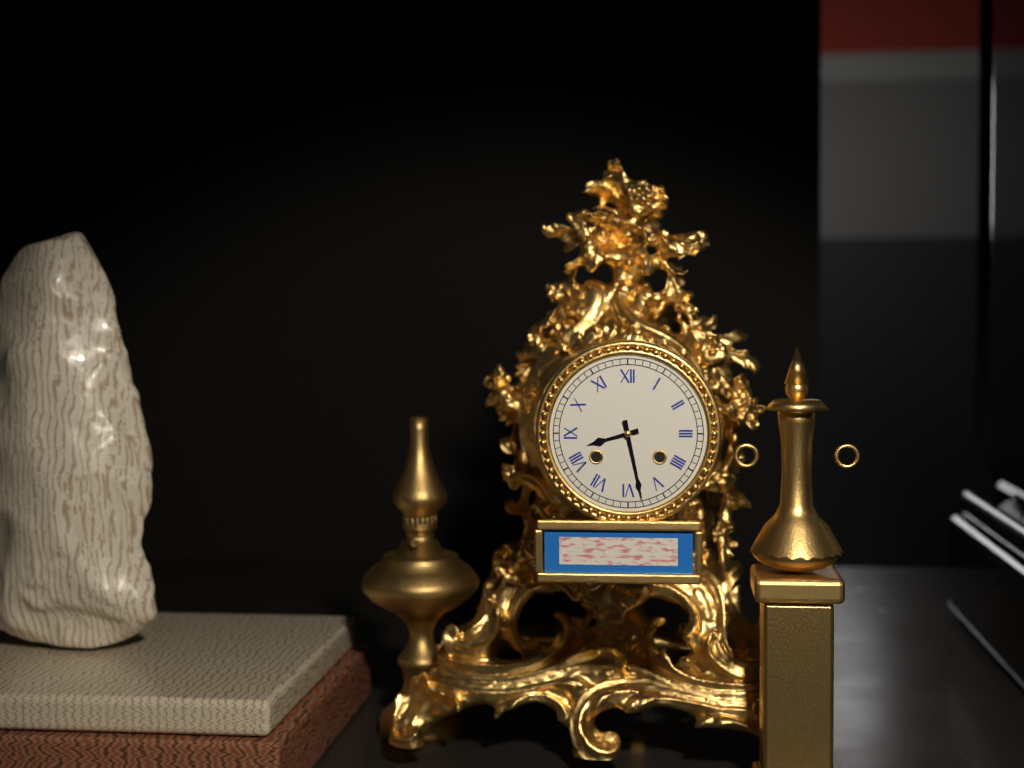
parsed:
8,28
